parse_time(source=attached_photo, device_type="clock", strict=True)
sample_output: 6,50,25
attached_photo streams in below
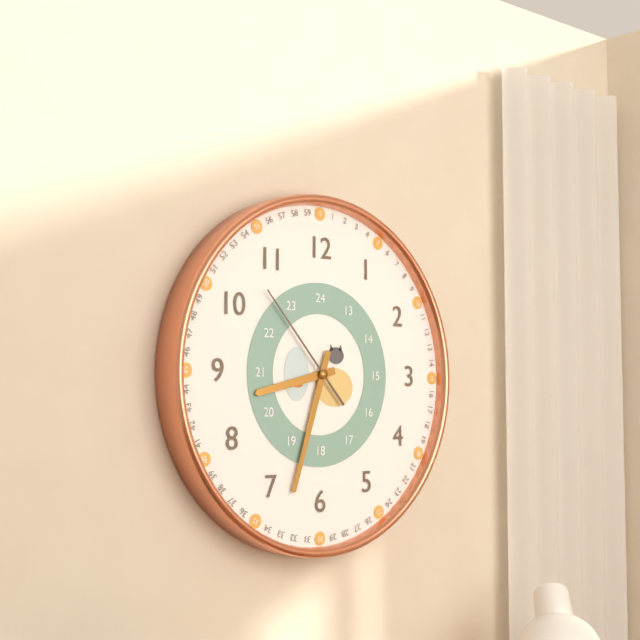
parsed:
8,33,53
